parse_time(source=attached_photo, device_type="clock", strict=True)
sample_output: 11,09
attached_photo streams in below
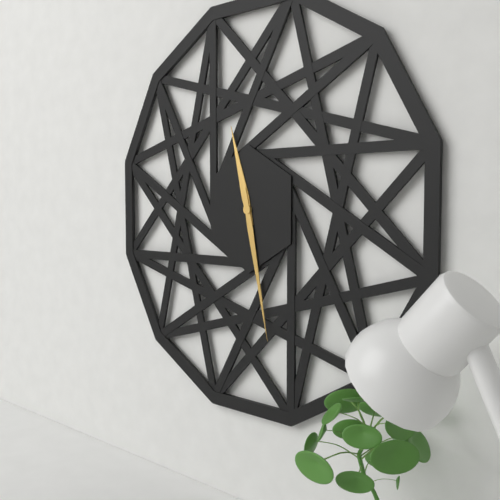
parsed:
11,28
